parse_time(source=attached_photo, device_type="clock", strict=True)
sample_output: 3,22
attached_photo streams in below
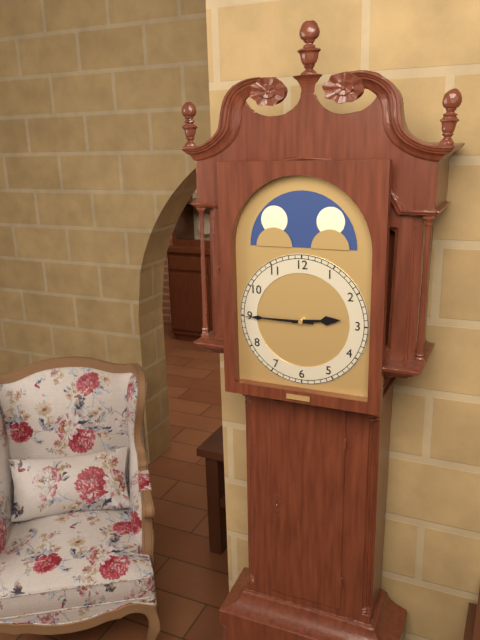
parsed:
2,45
